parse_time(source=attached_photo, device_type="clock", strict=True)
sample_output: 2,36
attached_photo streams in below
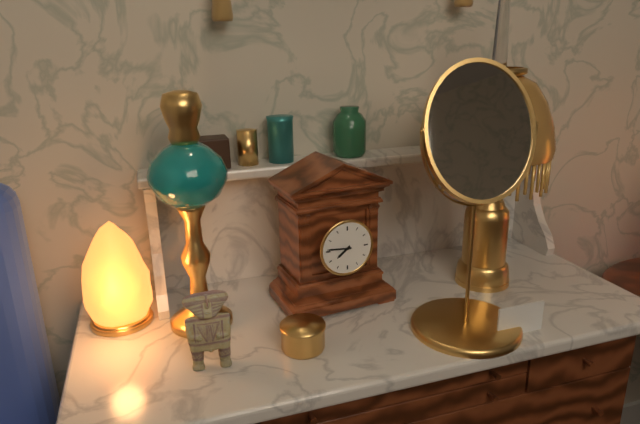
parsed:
7,46
